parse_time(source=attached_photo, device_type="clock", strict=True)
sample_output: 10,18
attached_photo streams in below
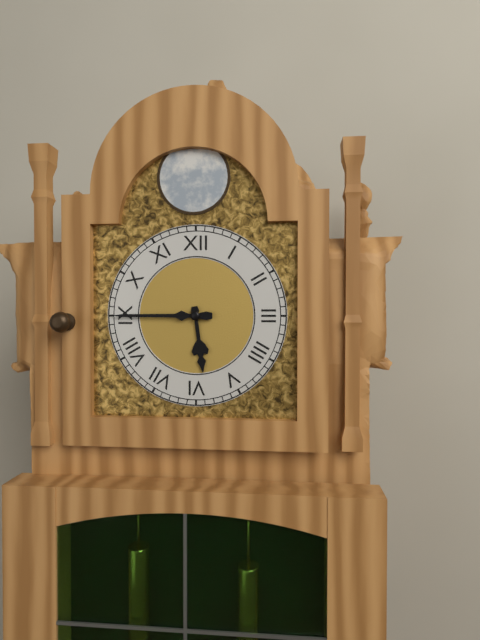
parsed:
5,45
